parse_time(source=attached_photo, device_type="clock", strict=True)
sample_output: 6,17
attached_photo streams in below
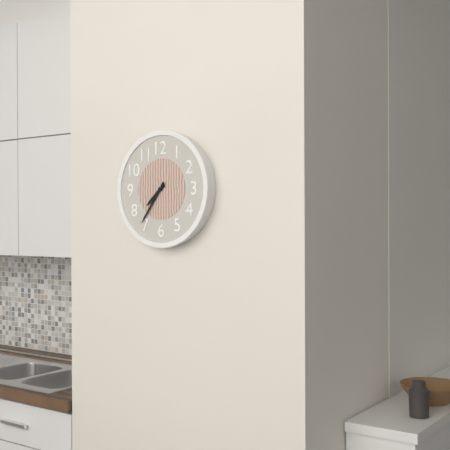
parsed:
7,36
